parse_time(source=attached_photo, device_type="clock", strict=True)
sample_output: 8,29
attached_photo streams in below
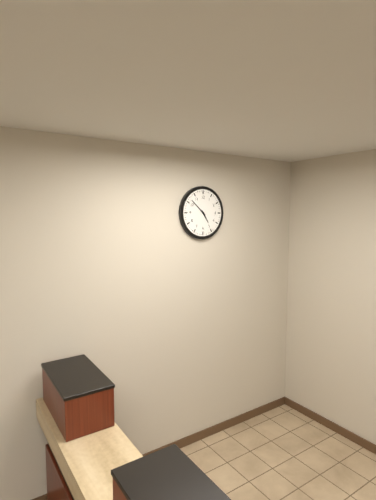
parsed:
4,52
